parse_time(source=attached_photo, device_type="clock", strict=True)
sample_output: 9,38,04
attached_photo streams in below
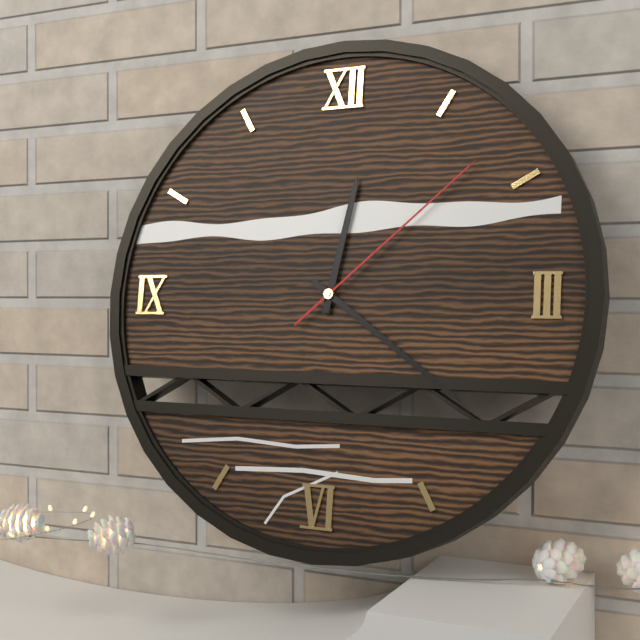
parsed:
12,21,08
